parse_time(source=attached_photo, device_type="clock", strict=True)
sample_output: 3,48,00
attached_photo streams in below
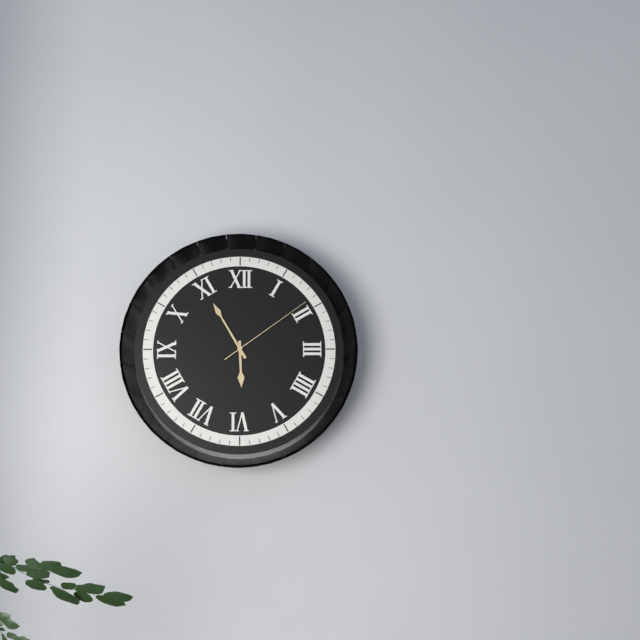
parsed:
5,55,09
